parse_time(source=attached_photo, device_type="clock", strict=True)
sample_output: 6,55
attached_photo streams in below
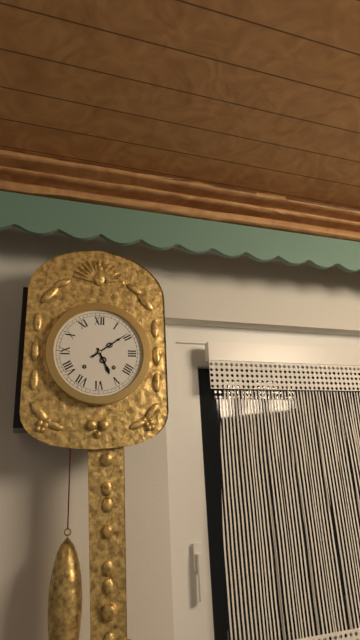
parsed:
5,09
